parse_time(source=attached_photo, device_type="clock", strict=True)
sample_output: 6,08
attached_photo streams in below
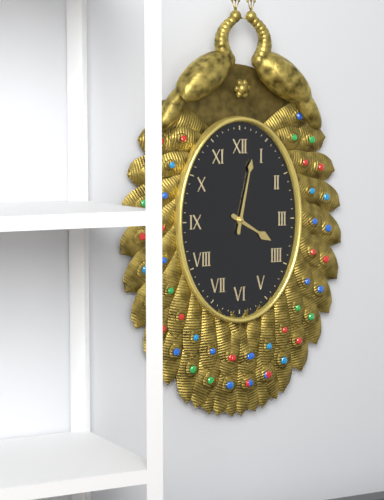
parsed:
4,02
